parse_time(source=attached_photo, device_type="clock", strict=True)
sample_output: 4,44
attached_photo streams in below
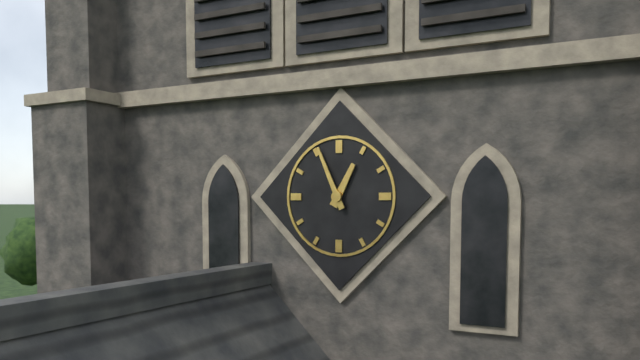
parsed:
12,56
